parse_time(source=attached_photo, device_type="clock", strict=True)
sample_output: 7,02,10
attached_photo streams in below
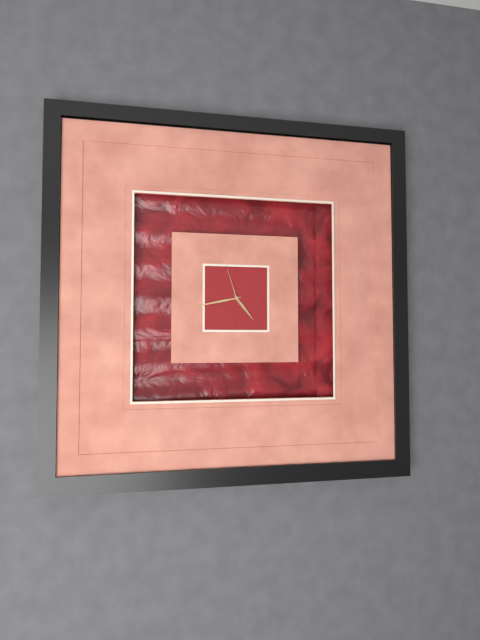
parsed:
4,43,57
